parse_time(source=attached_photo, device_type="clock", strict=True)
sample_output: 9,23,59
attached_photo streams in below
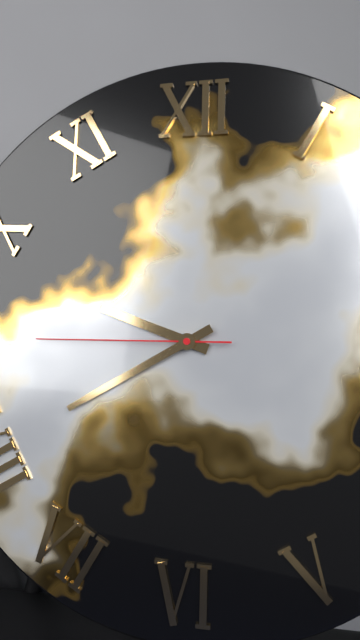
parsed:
9,40,45
